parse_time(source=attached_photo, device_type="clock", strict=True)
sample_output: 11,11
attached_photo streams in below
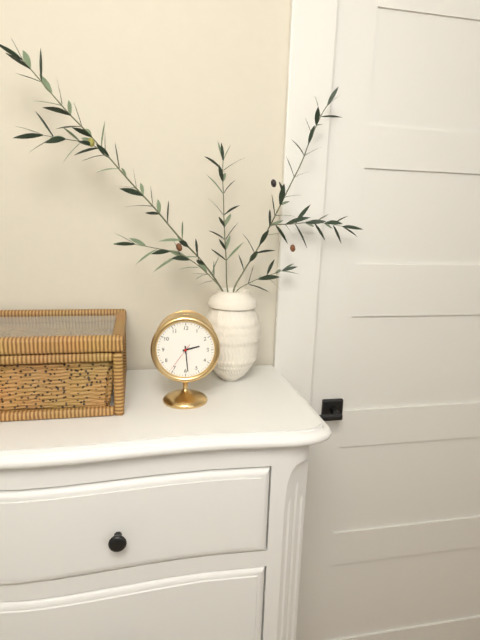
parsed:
2,29
